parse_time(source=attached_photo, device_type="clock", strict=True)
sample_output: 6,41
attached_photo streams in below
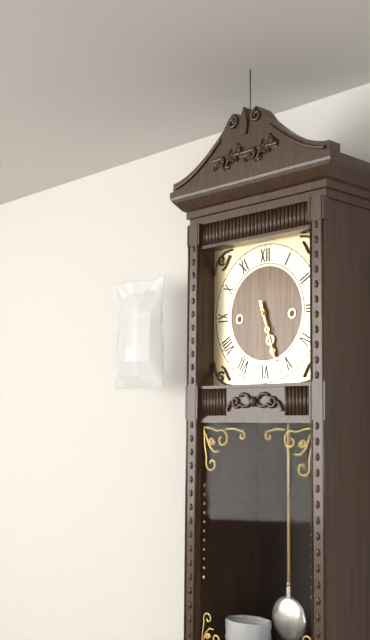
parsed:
5,27
